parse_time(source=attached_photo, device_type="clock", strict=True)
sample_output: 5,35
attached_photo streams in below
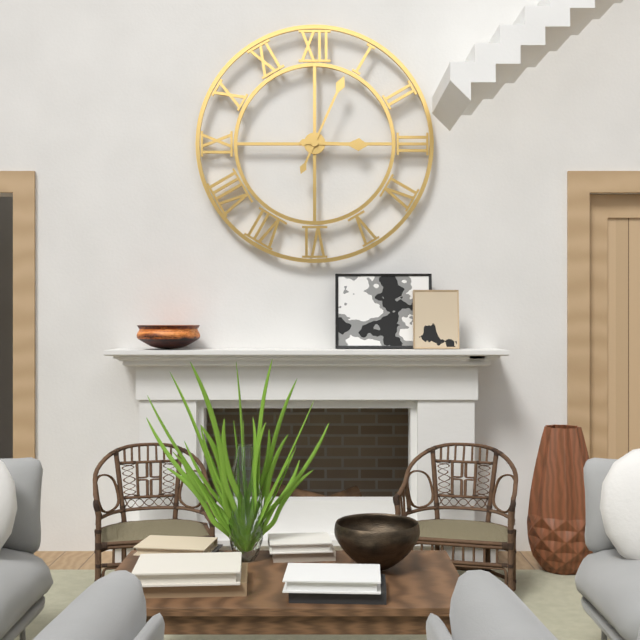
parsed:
3,04
